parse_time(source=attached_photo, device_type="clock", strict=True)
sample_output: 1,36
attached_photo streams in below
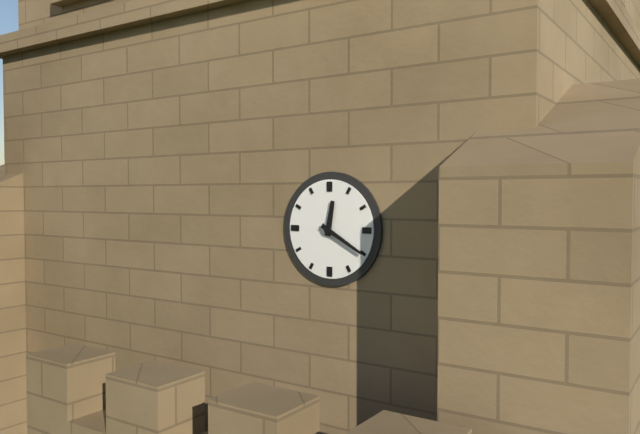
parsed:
12,20
